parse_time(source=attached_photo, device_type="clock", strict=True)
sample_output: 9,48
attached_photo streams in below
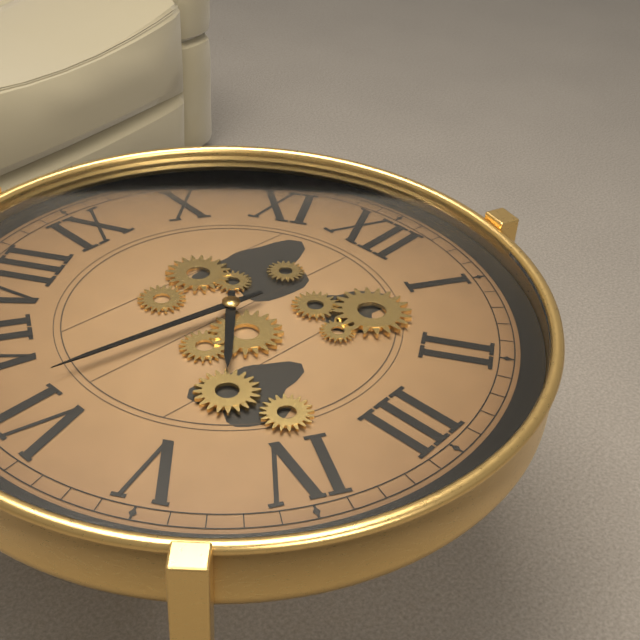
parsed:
4,32
